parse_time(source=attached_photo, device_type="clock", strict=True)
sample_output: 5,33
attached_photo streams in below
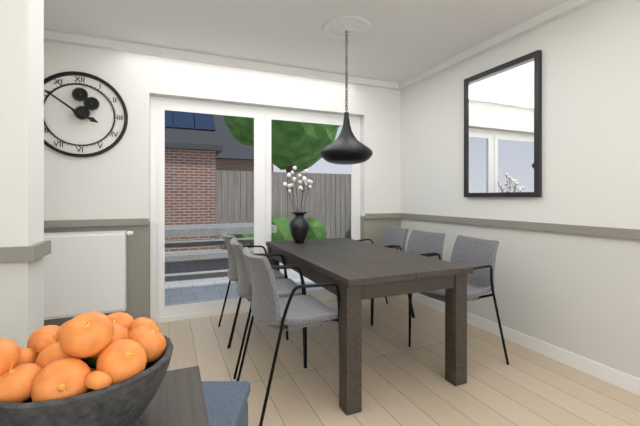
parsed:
3,51
